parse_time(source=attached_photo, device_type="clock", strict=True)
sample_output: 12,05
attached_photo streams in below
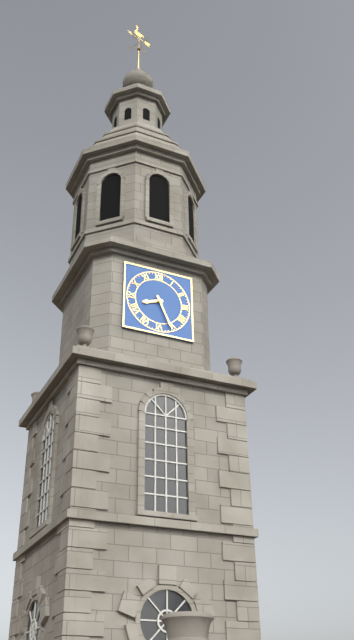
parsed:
8,26
